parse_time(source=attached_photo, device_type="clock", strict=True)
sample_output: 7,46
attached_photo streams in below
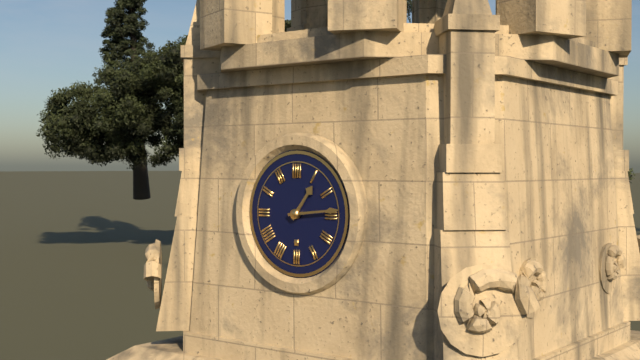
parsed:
1,14
